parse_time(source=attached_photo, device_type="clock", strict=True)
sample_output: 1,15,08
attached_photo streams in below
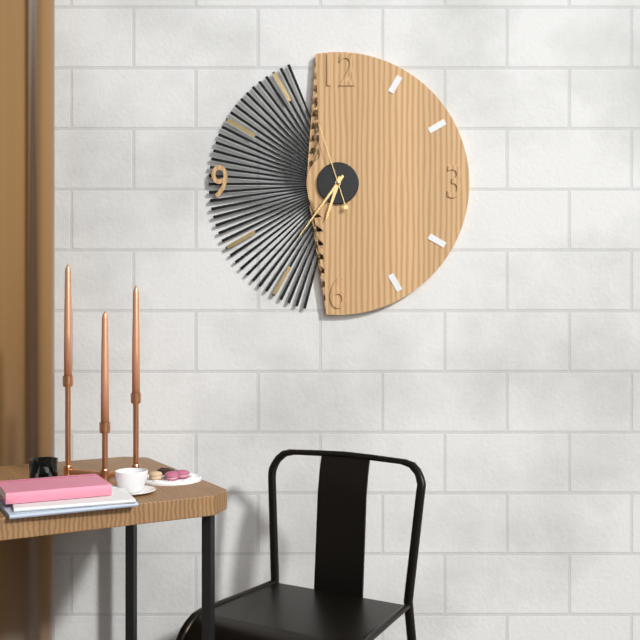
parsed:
6,36,57
